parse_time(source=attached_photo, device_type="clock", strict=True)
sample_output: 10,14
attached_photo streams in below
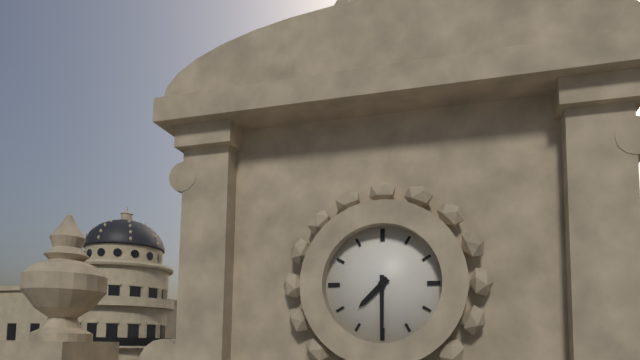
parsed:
7,30
